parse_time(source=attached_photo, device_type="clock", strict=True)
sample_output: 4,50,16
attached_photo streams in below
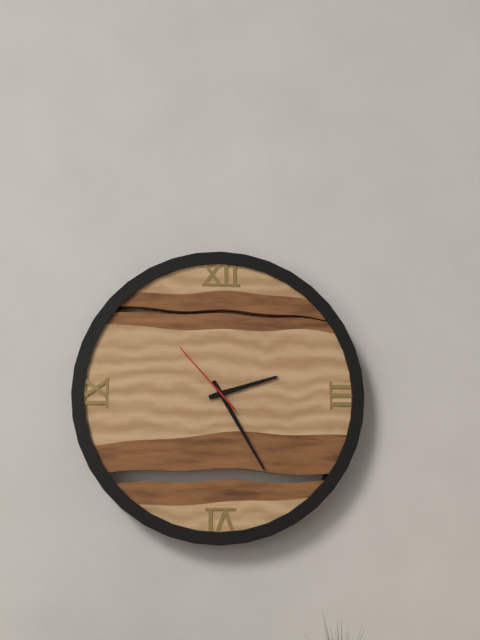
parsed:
2,25,53
